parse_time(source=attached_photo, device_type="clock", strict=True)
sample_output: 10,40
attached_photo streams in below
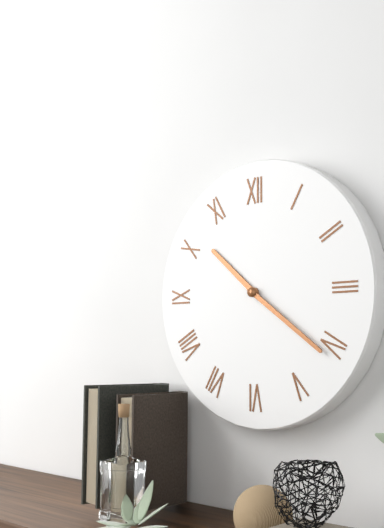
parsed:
10,21
